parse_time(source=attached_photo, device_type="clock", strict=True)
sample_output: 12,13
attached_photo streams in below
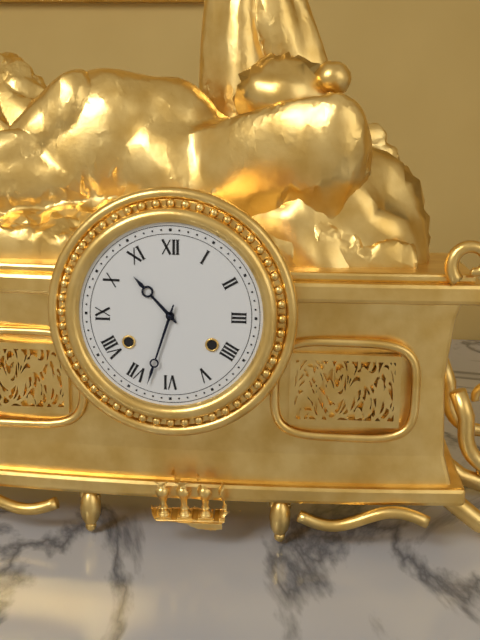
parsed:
10,33
